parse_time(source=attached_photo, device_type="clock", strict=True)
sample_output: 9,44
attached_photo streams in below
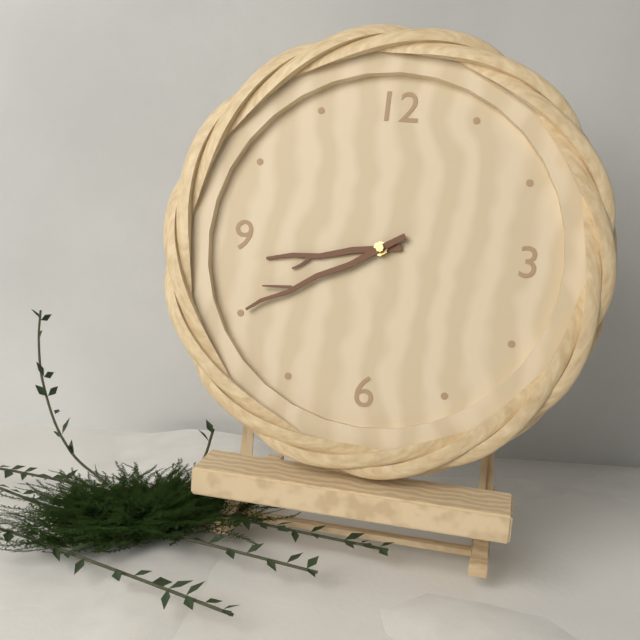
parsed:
8,40
